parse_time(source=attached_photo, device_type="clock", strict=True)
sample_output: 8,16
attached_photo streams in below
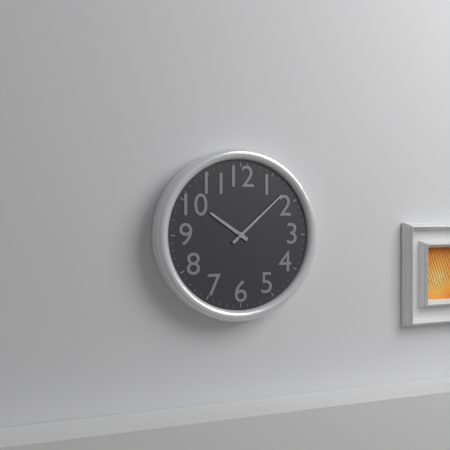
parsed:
10,08
